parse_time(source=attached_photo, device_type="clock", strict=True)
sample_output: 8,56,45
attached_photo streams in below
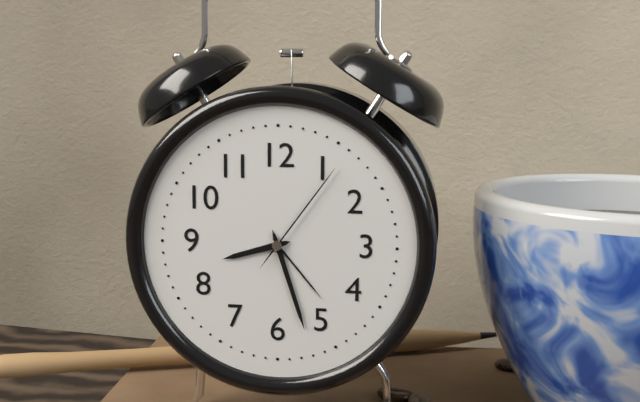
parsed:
8,27,06
